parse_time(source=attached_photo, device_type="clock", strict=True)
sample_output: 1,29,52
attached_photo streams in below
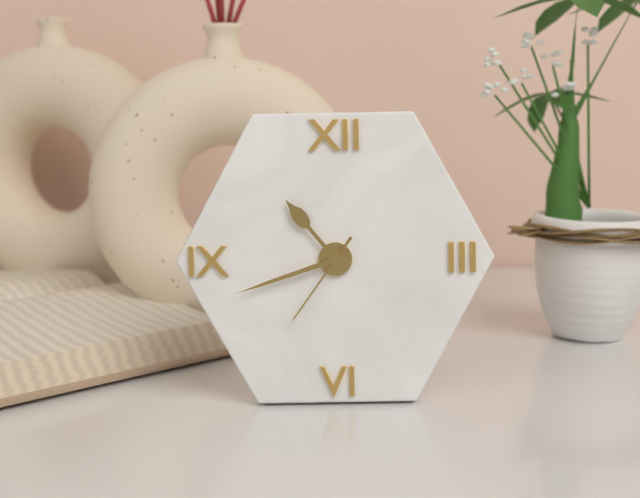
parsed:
10,42,36
